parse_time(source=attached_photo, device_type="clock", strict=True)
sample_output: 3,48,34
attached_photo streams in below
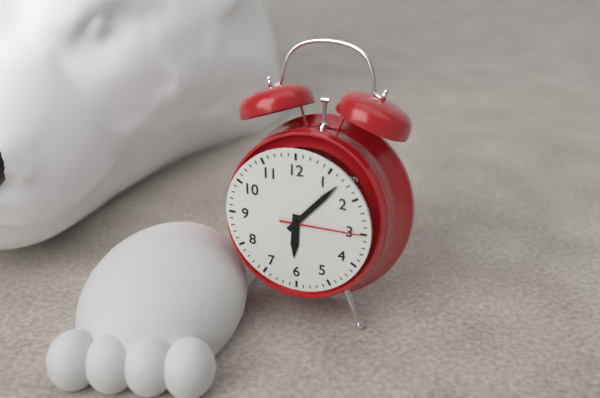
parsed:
6,07,15
